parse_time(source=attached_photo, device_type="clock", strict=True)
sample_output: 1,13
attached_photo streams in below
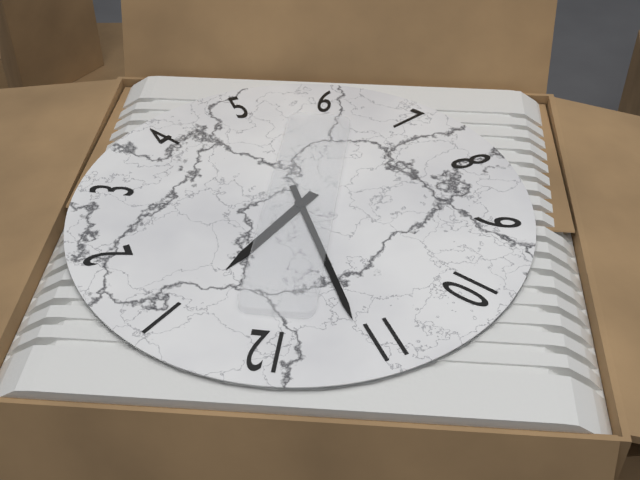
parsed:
12,56
